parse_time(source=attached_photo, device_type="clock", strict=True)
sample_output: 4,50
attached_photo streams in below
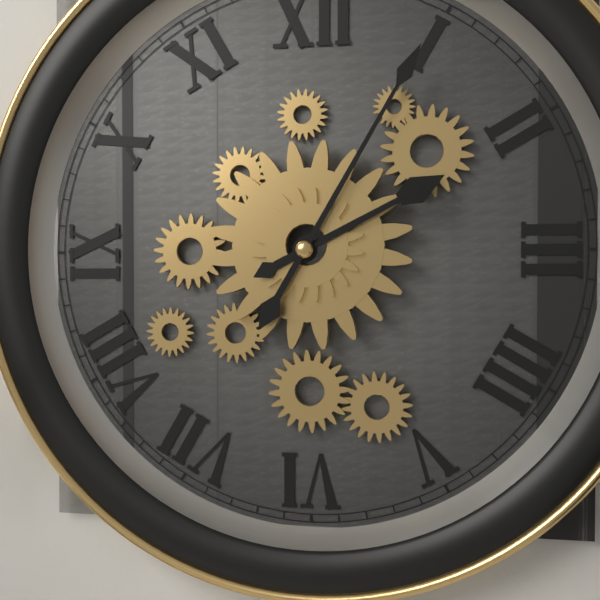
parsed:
2,05
